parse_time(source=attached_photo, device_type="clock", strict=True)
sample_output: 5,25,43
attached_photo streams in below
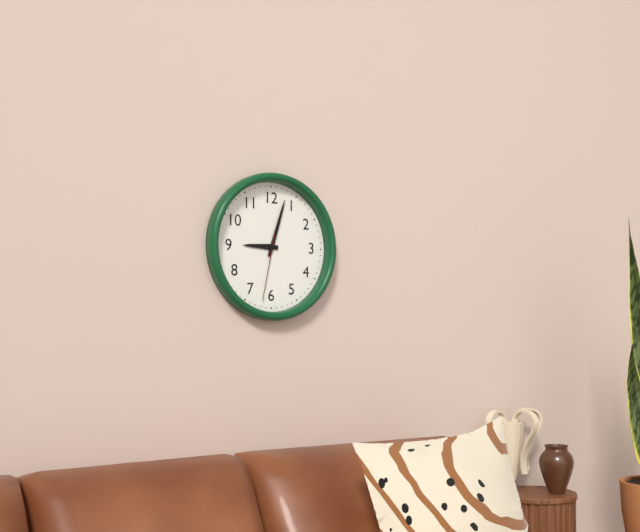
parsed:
9,03,32
